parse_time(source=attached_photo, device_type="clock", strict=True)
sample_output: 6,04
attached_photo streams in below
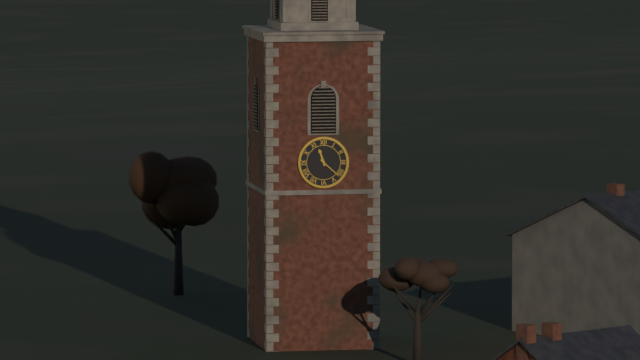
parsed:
11,22
